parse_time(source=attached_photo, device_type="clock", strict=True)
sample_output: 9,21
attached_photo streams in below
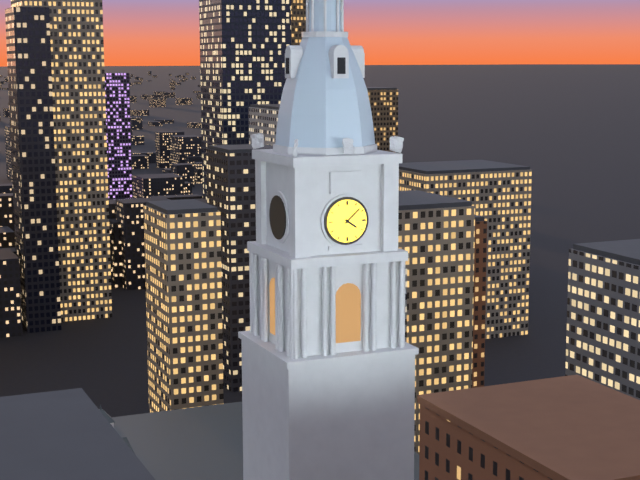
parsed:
4,08
